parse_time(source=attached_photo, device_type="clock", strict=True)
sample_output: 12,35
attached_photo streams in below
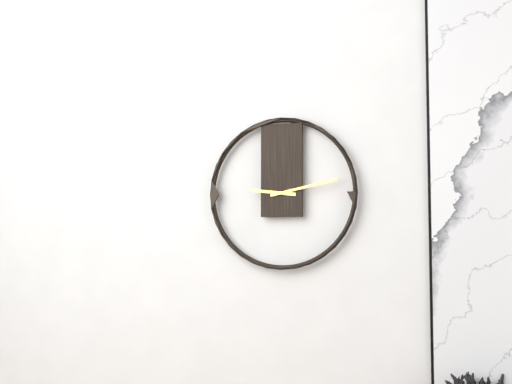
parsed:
9,13
